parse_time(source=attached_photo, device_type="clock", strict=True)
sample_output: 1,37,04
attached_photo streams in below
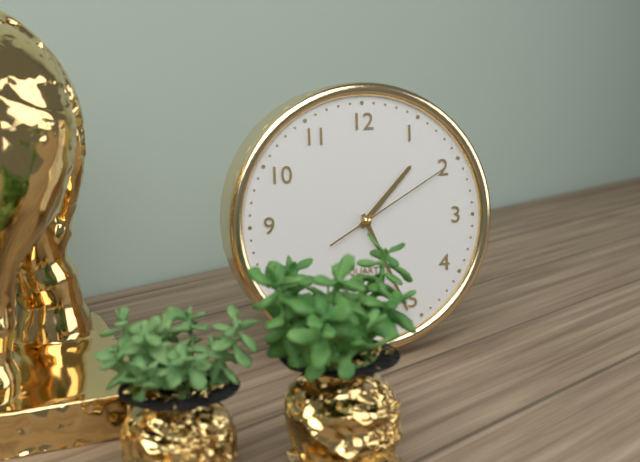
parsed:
1,26,10
